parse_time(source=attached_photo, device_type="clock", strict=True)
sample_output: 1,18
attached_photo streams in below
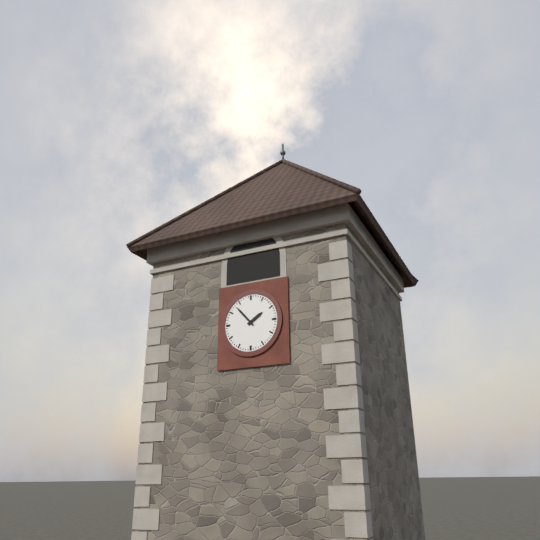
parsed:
1,53
